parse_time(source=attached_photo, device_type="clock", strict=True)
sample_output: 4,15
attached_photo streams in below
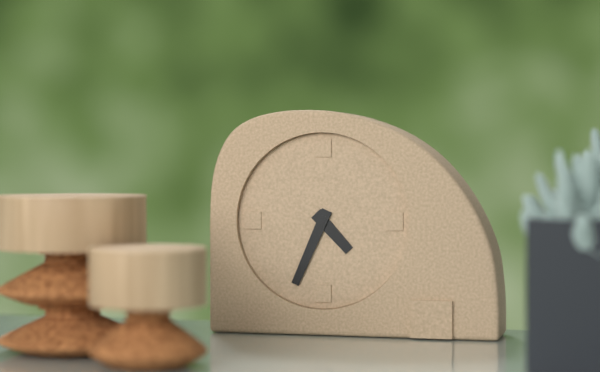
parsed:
4,34
